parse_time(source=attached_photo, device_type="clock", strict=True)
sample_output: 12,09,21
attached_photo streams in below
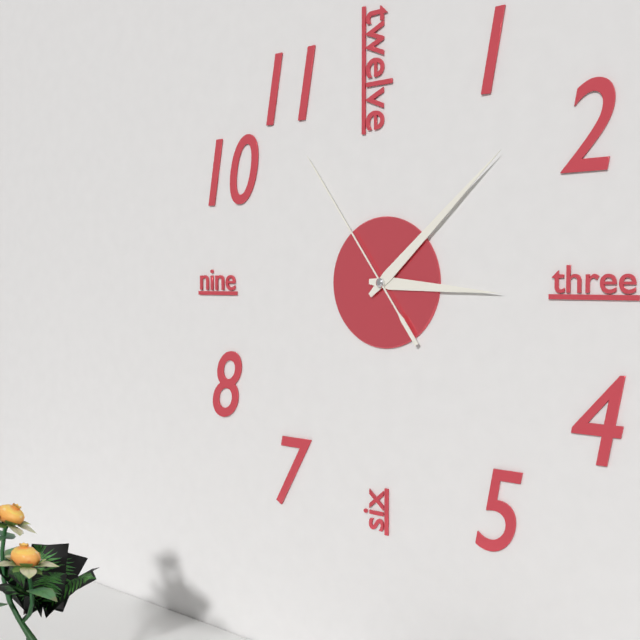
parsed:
3,08,54
